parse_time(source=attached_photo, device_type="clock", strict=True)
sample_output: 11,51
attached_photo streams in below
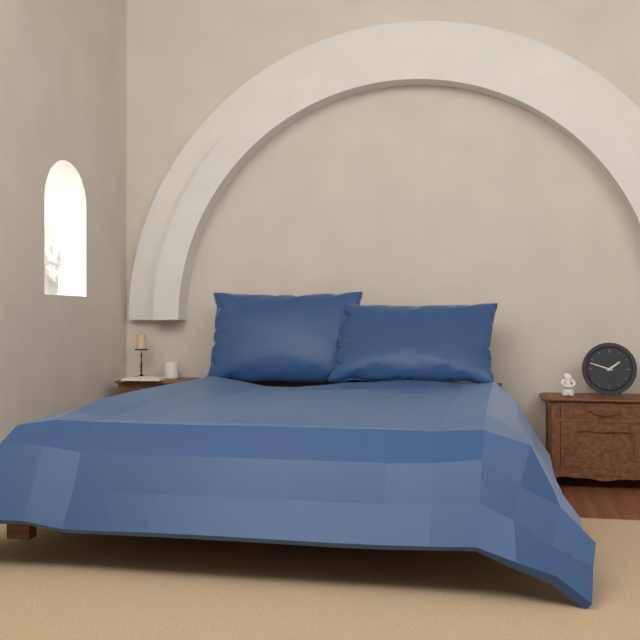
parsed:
1,48
